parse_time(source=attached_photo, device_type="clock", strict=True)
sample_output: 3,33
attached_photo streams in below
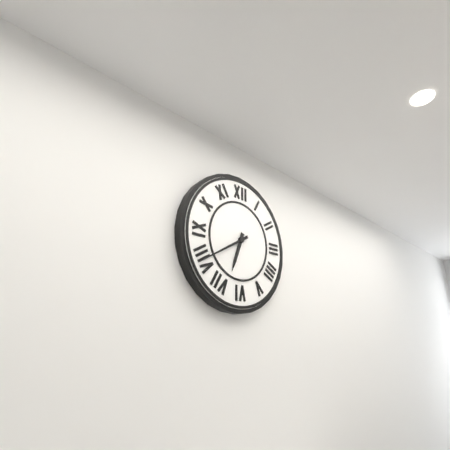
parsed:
6,40
